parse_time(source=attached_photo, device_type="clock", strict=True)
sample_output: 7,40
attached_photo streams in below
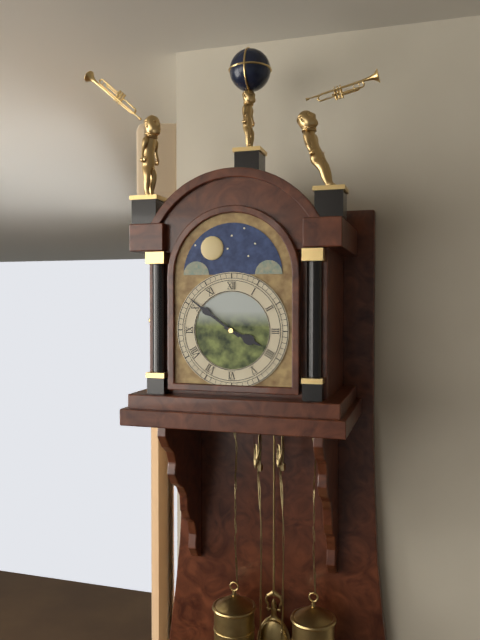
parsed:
3,51
